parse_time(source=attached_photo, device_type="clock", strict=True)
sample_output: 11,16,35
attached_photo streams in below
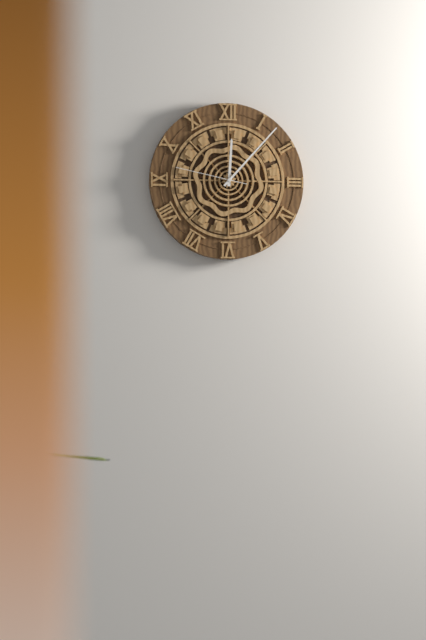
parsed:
12,07,47
